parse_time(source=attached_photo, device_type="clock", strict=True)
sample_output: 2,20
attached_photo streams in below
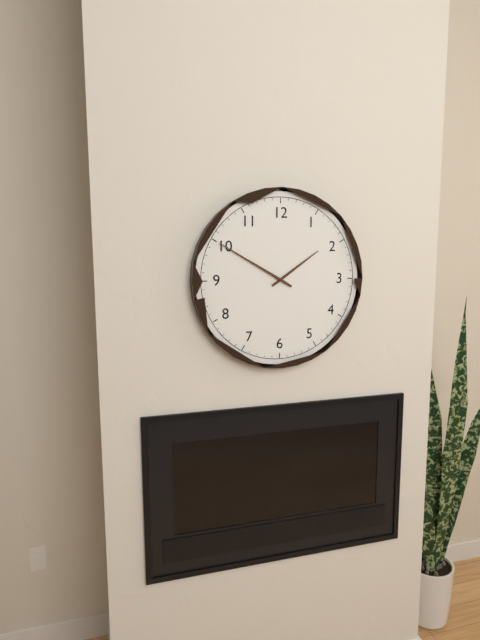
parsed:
1,50
